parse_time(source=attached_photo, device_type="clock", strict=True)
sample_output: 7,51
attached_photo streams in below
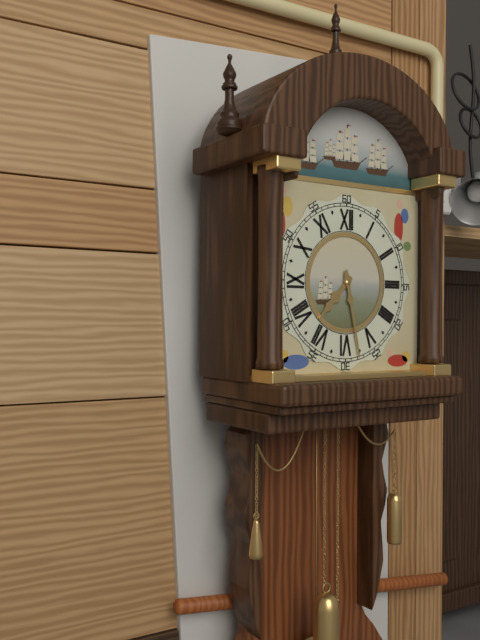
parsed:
7,28
